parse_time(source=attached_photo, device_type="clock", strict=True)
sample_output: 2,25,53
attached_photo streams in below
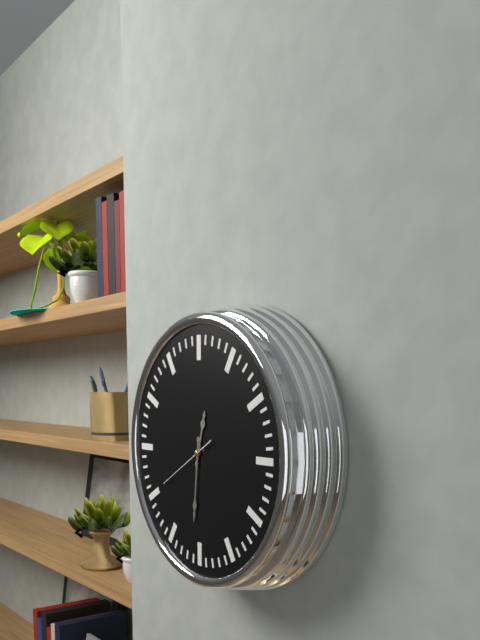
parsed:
12,31,40
